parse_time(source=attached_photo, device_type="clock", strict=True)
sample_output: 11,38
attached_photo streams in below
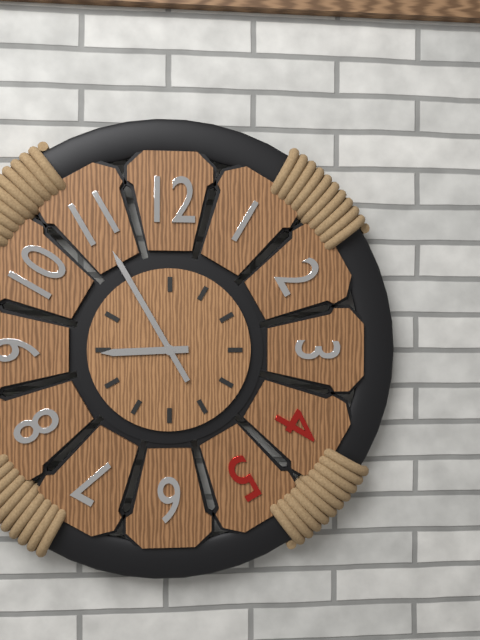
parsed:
8,55
